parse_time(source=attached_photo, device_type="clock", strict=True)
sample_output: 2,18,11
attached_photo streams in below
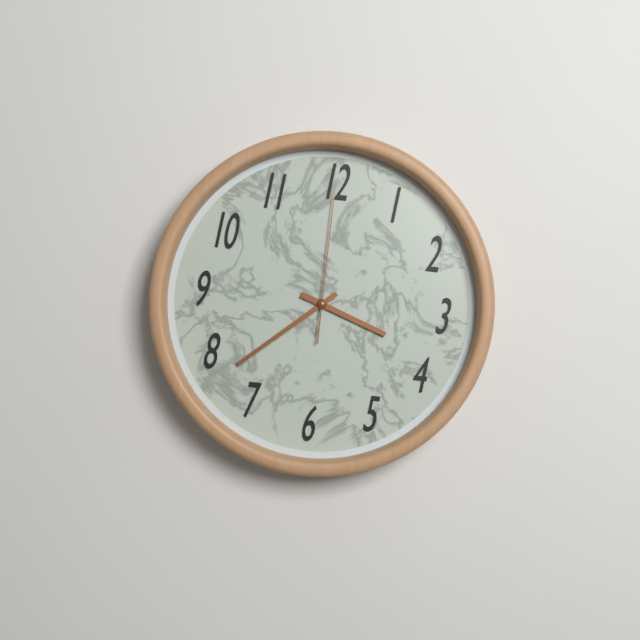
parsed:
3,38,00
